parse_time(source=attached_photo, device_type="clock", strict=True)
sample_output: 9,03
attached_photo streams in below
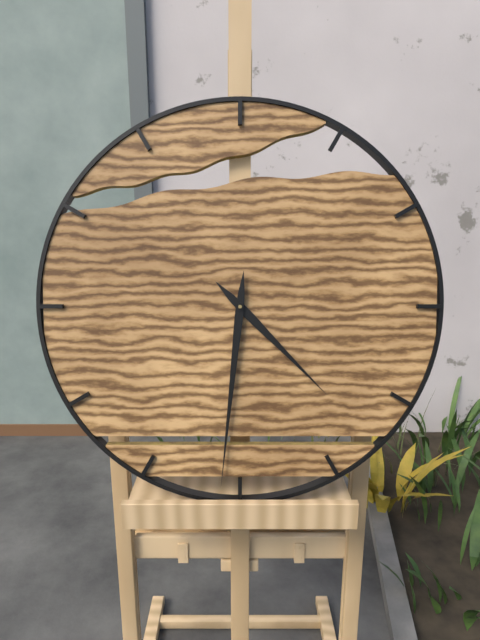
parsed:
4,31
